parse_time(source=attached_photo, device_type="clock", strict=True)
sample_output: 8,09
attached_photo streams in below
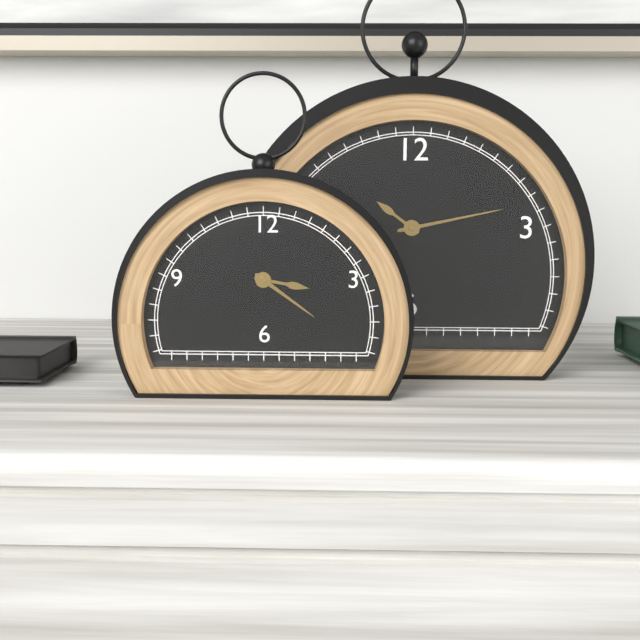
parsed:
3,21
